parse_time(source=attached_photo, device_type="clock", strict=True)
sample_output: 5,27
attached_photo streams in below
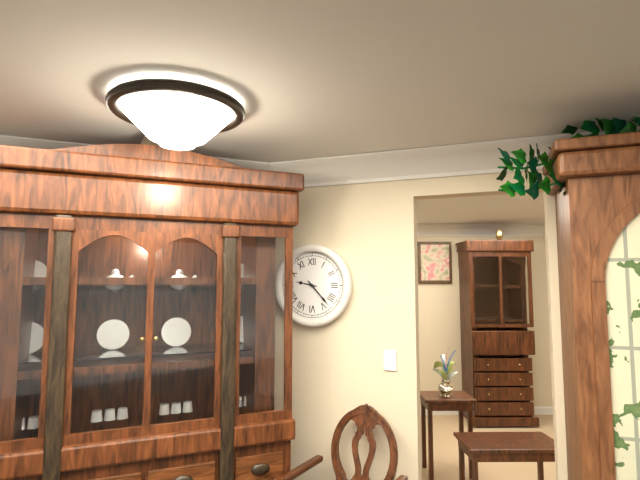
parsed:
9,23
